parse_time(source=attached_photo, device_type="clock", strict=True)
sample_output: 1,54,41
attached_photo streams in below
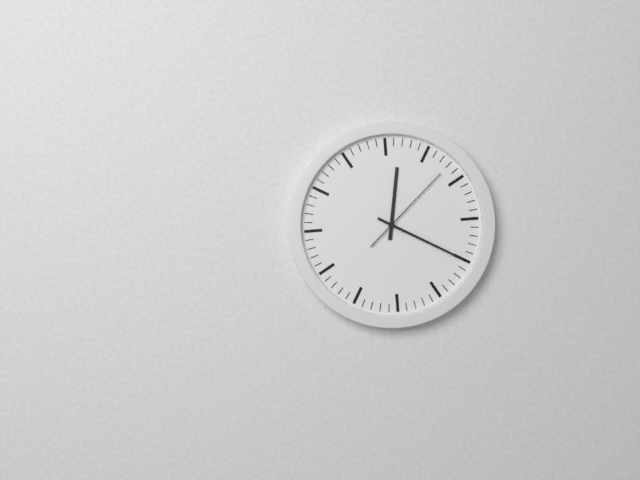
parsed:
12,20,08
